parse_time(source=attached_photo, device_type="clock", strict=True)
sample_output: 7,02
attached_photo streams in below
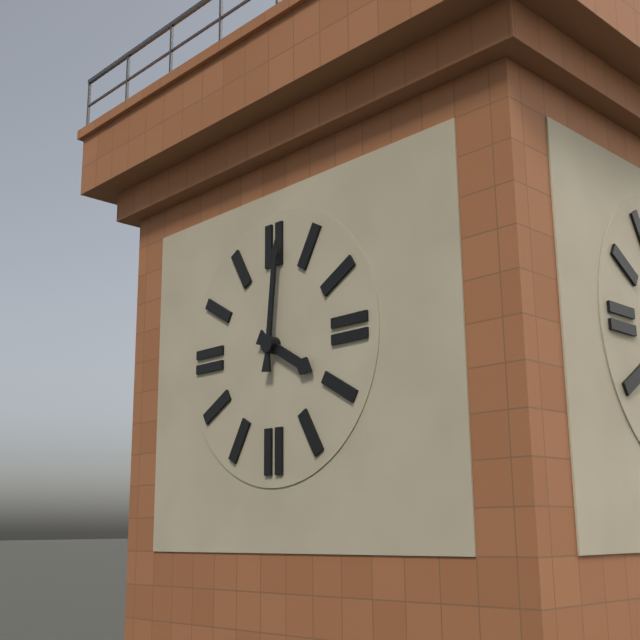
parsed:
4,01
